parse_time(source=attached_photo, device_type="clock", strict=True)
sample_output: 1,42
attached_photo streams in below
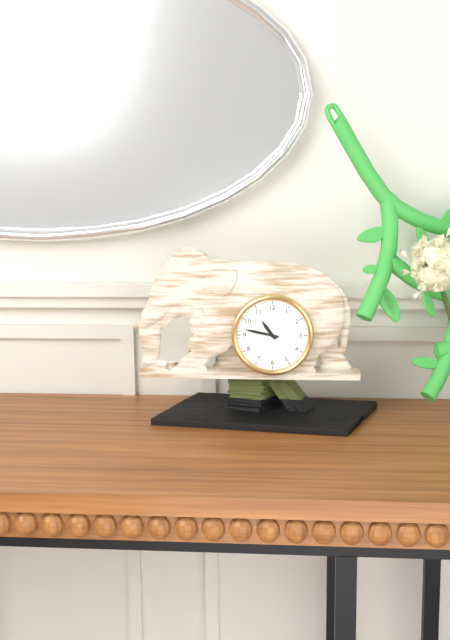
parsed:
10,47
